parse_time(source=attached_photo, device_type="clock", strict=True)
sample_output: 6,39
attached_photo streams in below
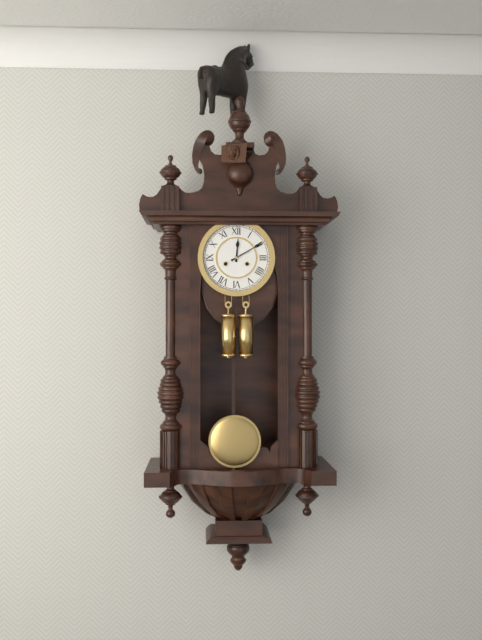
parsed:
12,10
